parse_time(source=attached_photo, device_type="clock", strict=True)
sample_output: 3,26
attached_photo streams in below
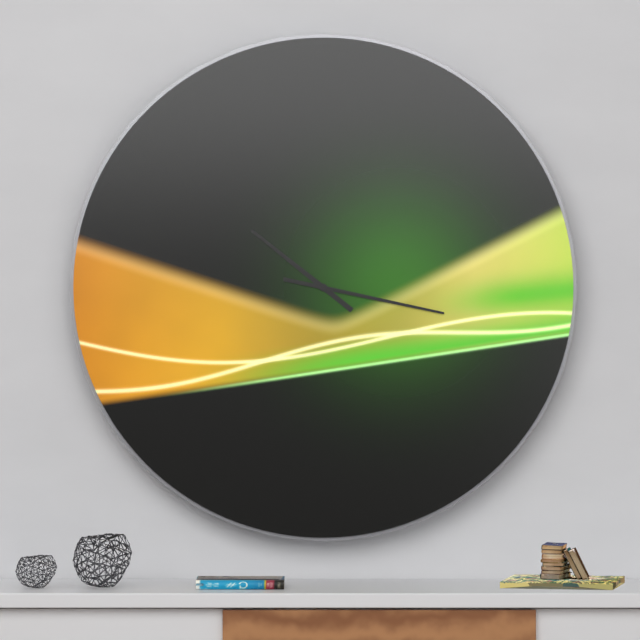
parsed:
10,17
